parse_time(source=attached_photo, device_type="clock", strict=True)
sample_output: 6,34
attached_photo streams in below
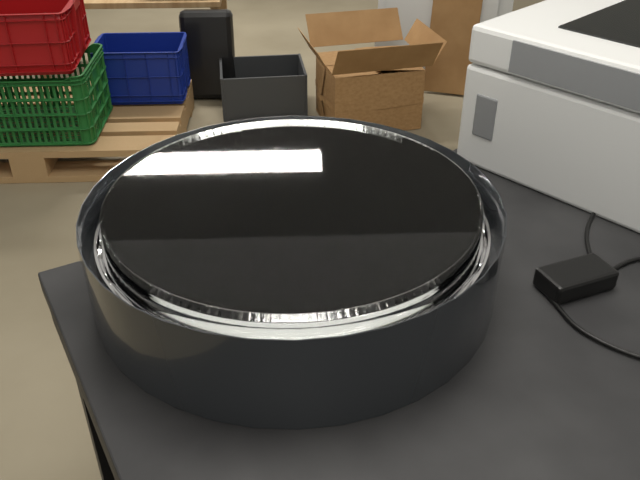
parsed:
7,08
